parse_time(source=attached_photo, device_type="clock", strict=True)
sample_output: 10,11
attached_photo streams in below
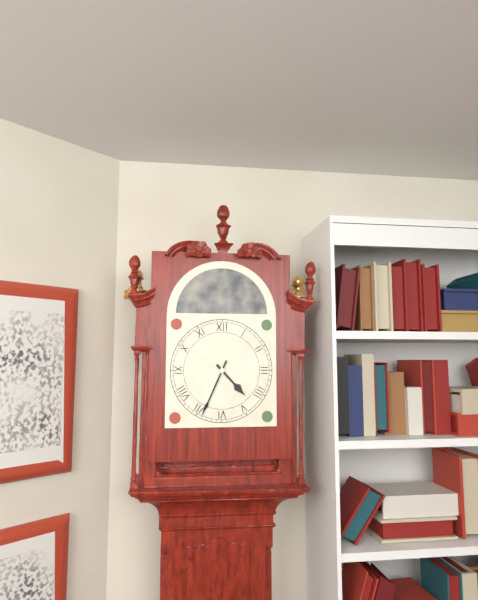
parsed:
4,34
